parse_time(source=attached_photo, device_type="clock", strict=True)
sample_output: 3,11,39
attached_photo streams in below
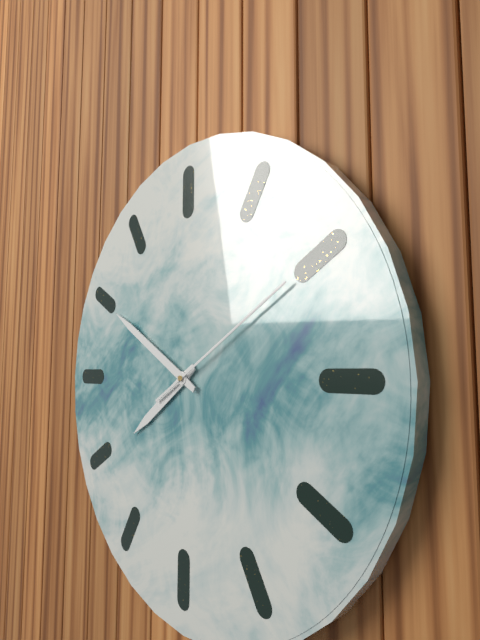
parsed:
7,50,10
